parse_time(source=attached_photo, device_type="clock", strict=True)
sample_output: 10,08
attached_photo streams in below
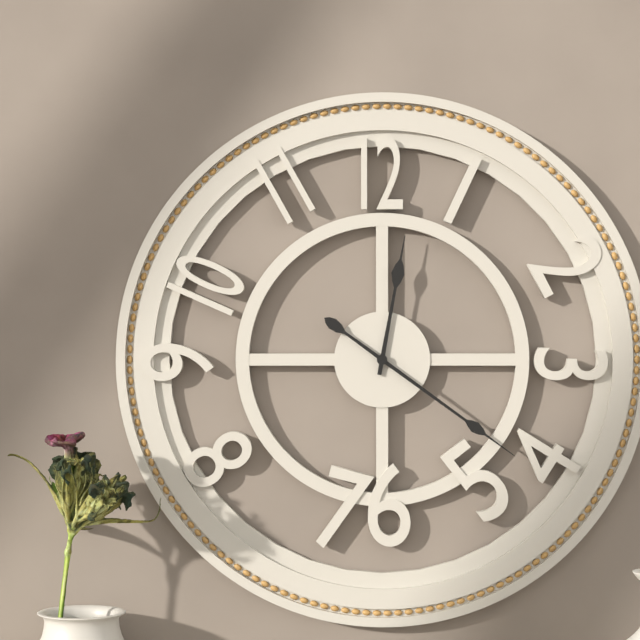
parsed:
12,21
